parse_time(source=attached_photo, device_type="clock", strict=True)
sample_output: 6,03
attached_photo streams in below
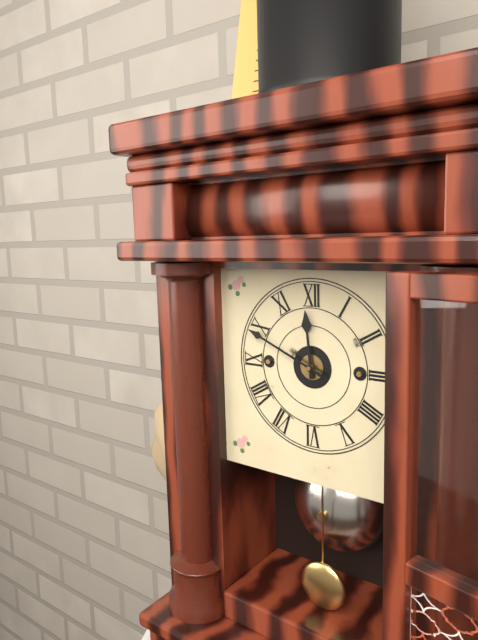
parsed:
11,49
